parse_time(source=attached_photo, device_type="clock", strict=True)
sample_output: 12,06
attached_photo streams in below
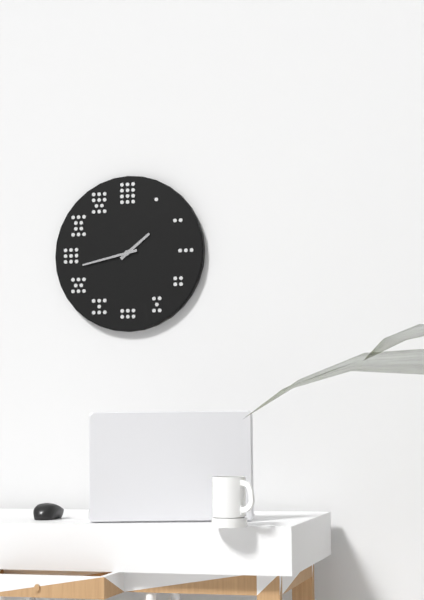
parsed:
1,43
